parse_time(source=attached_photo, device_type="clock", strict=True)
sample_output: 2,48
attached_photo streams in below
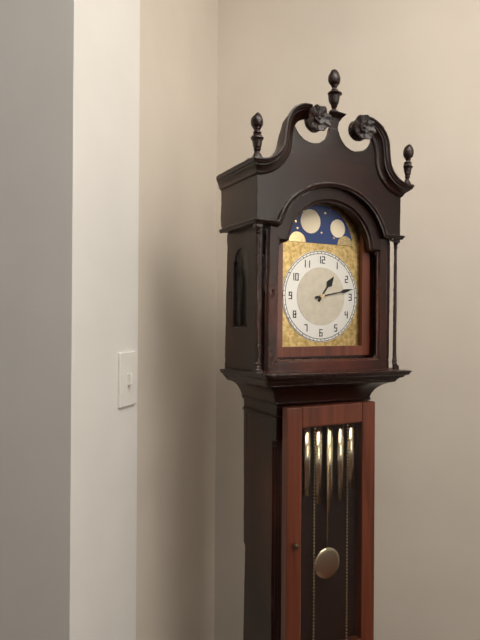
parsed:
1,13
